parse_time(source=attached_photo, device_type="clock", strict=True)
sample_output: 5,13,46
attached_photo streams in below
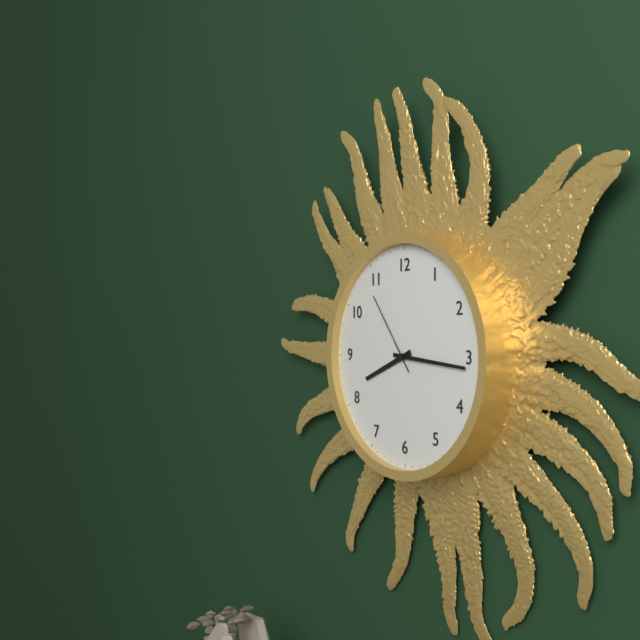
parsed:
8,16,54
